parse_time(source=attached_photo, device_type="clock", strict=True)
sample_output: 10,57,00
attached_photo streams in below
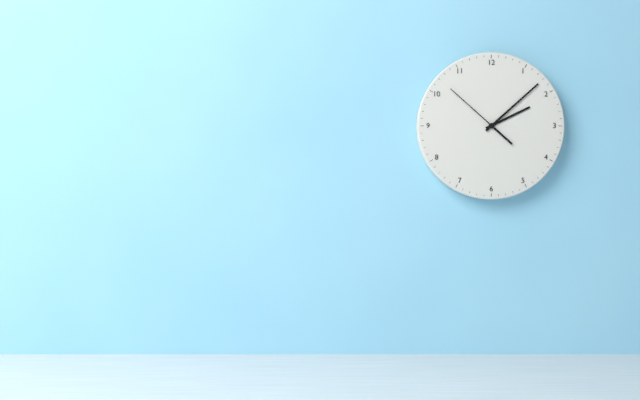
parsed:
2,08,52
